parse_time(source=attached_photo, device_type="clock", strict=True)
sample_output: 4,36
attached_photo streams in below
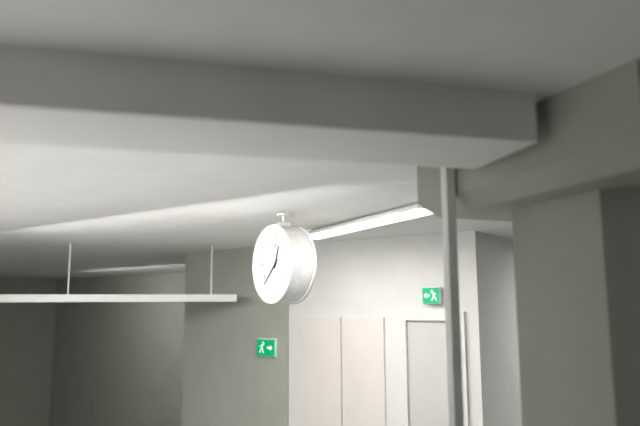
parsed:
12,38
